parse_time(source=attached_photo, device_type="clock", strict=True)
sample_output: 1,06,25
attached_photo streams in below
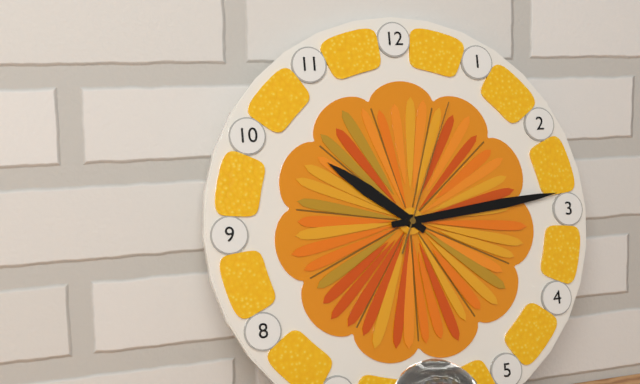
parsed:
10,14,04
